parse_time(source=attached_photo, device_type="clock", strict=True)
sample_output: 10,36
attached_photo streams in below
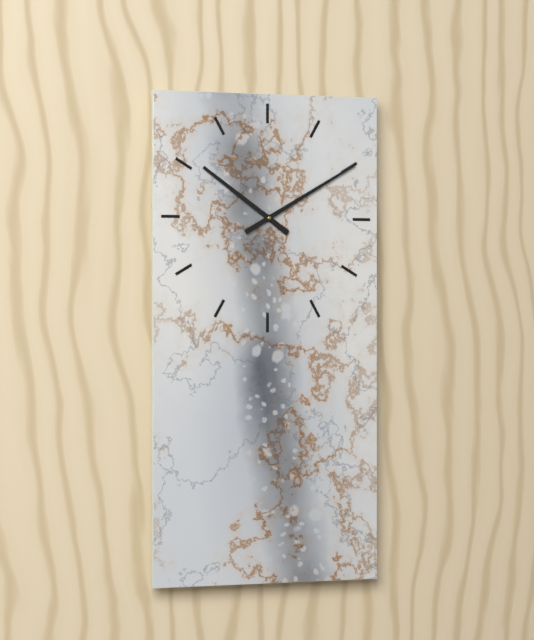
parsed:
10,10
